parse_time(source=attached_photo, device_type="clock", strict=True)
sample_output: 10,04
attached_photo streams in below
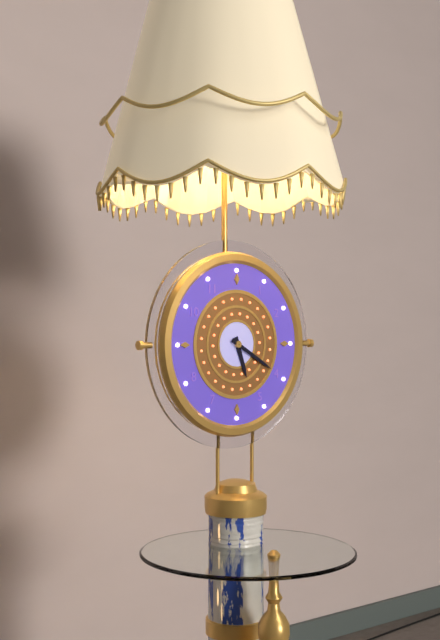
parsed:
5,20
